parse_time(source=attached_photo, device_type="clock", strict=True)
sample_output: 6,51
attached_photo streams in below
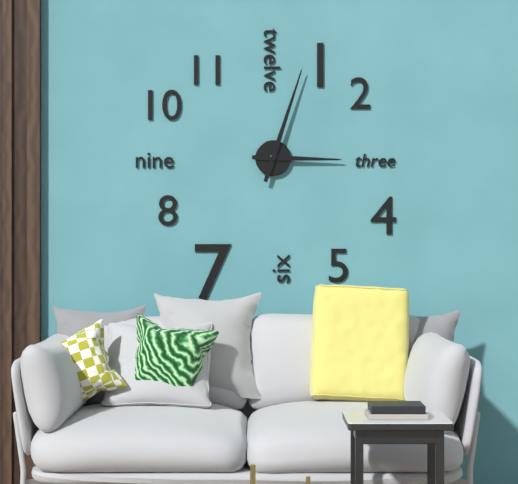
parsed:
3,03
